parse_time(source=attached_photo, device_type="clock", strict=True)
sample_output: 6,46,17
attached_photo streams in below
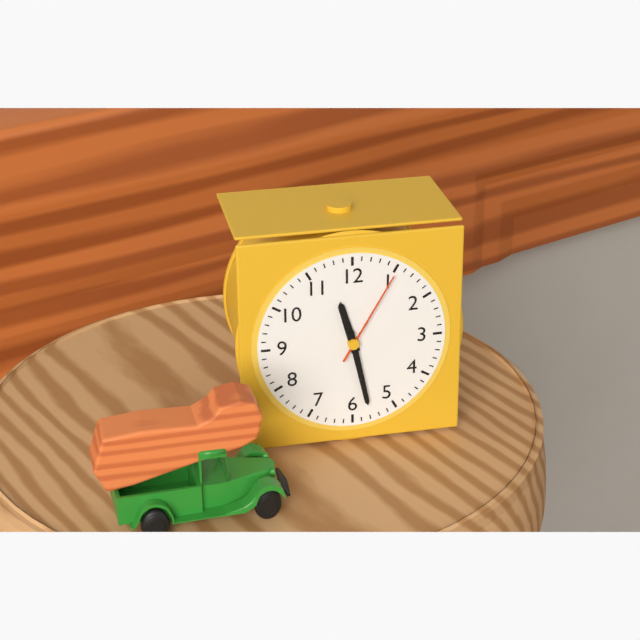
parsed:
11,28,05
